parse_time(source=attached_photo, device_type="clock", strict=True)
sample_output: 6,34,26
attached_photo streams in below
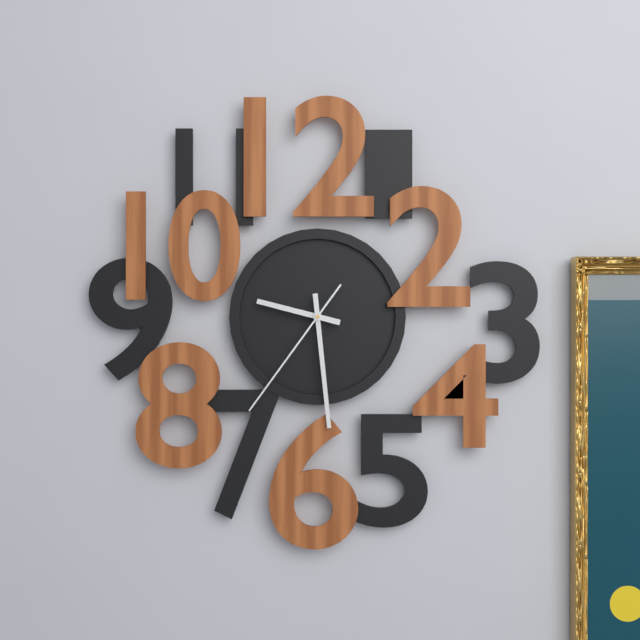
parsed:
9,29,36
